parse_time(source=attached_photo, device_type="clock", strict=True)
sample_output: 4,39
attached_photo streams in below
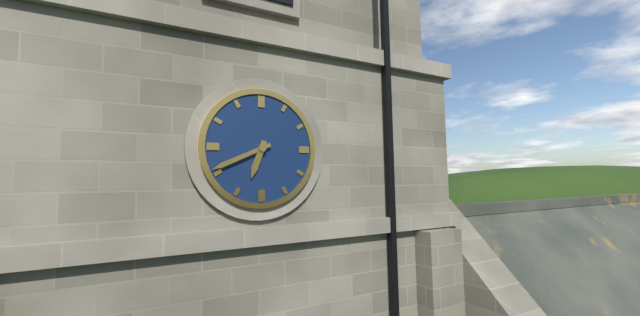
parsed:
6,41
